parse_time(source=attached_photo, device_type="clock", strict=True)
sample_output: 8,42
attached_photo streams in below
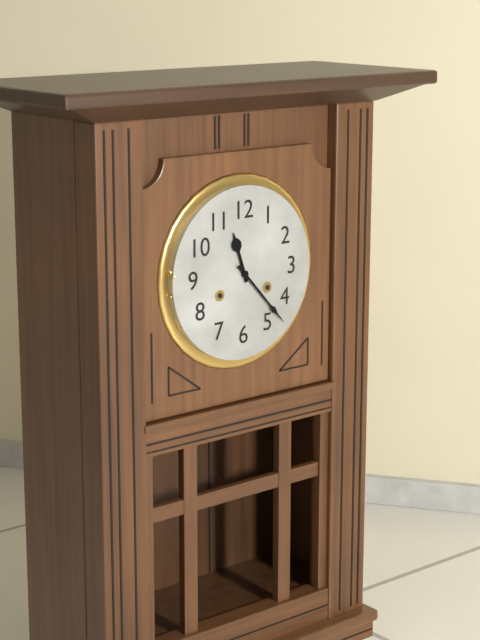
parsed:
11,23
